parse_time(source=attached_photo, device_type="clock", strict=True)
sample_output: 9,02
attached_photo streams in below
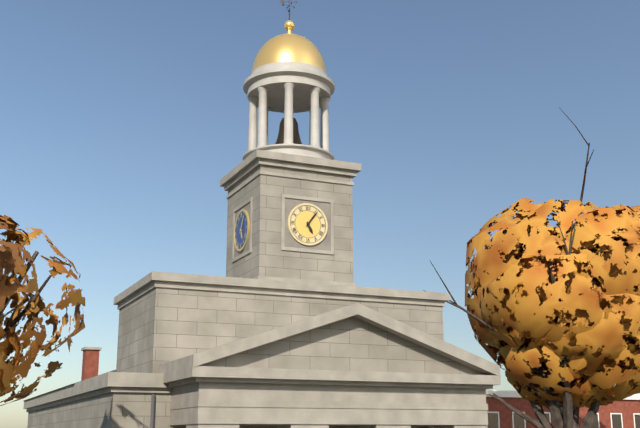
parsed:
5,06
